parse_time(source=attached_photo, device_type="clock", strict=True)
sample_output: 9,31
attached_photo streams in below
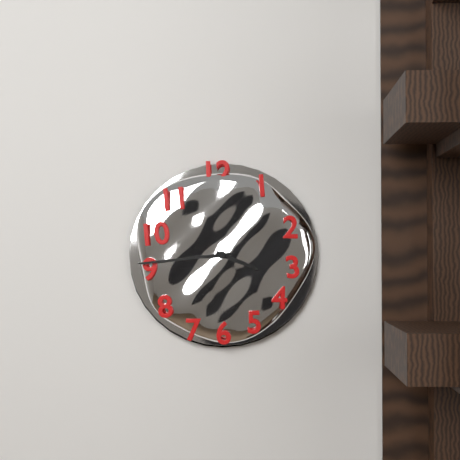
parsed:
3,44
